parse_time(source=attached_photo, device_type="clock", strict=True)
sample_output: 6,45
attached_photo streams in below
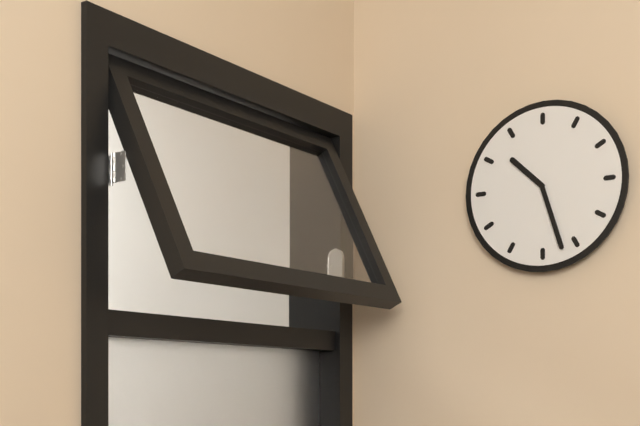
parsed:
10,27
